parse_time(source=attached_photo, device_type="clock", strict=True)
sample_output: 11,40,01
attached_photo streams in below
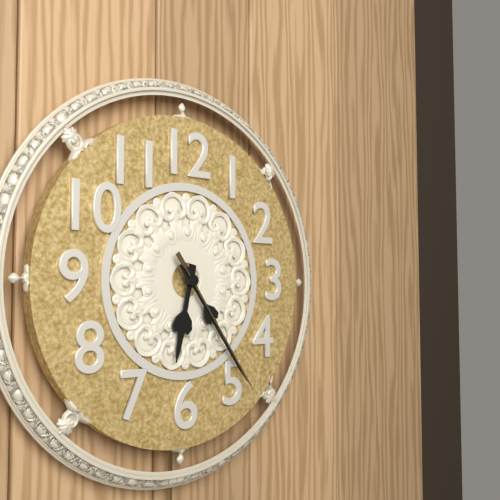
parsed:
6,24,24
